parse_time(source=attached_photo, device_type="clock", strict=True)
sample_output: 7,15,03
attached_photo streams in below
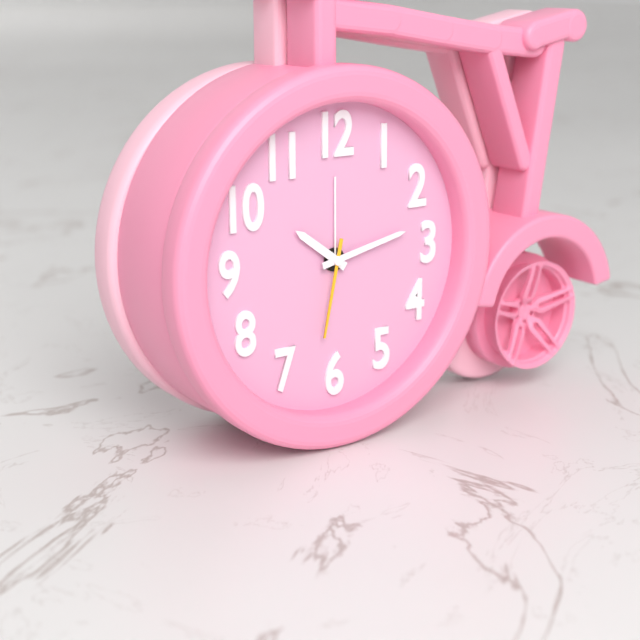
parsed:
10,13,32
